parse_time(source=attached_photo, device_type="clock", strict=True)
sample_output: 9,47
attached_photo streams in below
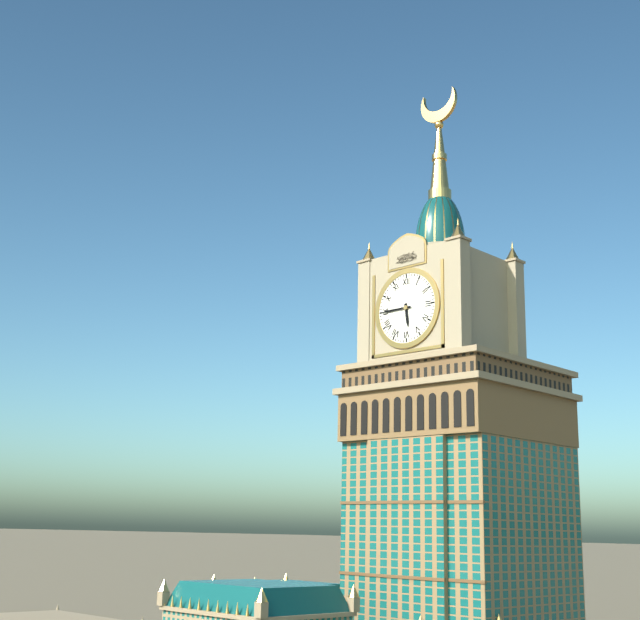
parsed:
5,45
